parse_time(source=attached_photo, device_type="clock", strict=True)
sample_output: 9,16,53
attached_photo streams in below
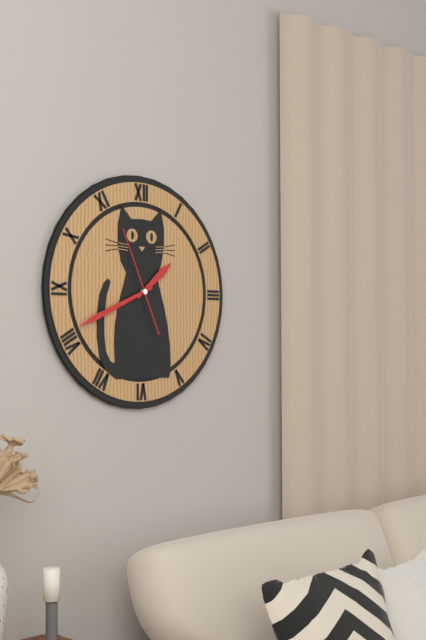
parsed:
1,41,56
